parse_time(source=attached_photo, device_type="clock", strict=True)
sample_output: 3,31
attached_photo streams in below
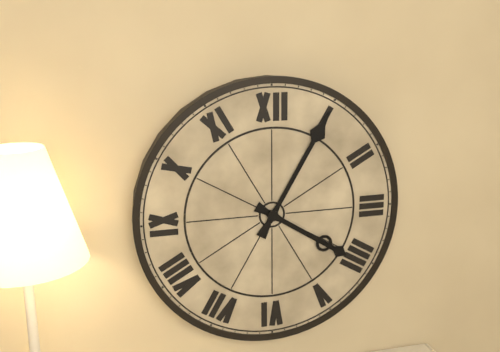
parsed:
4,05
